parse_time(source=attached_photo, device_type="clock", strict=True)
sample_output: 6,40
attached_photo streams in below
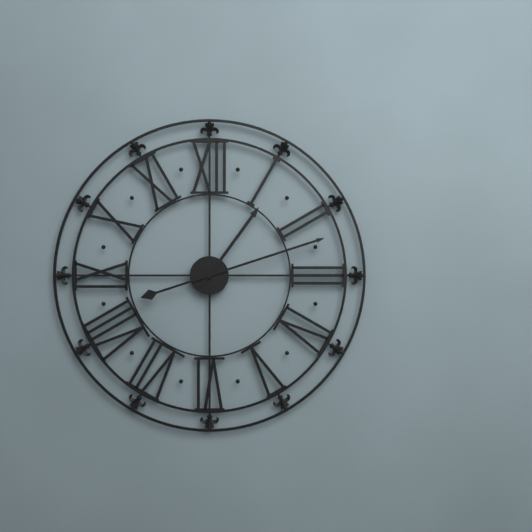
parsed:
1,12
